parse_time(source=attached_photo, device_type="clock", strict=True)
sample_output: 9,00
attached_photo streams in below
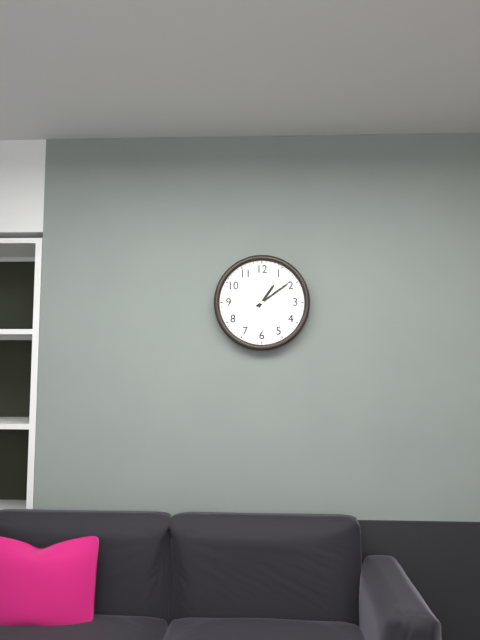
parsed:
1,09
